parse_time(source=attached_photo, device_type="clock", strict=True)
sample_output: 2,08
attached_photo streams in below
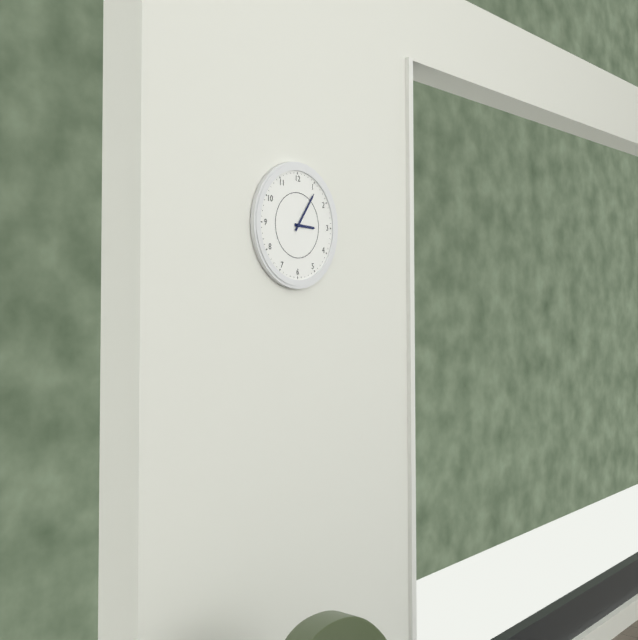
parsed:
3,06
